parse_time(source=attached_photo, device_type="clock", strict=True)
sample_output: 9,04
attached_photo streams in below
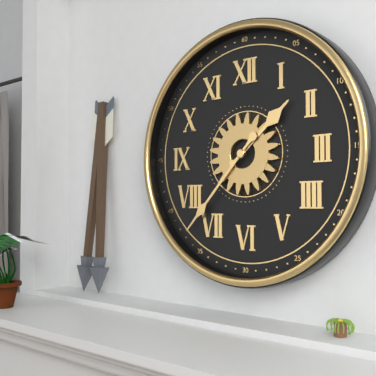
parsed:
1,37
